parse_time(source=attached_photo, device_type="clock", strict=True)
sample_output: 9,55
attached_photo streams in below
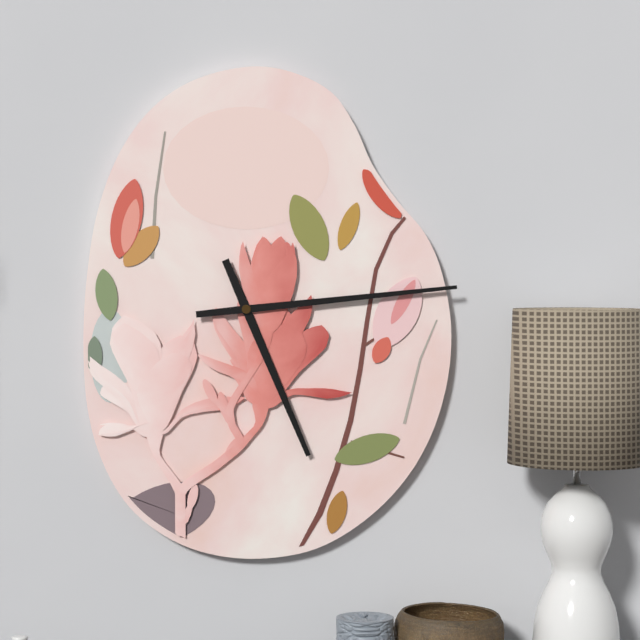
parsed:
5,14
